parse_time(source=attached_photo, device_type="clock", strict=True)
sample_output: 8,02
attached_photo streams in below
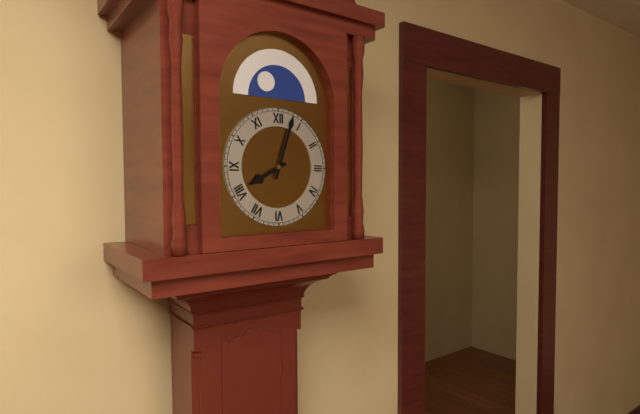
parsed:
8,03
